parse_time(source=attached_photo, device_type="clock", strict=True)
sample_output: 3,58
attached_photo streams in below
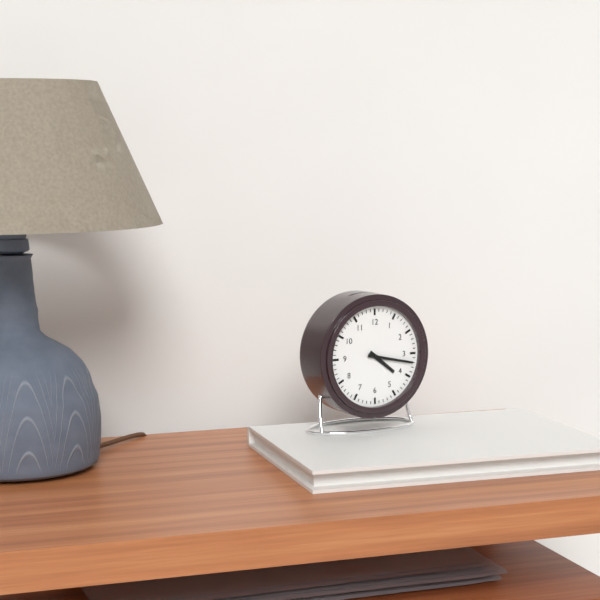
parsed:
4,17
